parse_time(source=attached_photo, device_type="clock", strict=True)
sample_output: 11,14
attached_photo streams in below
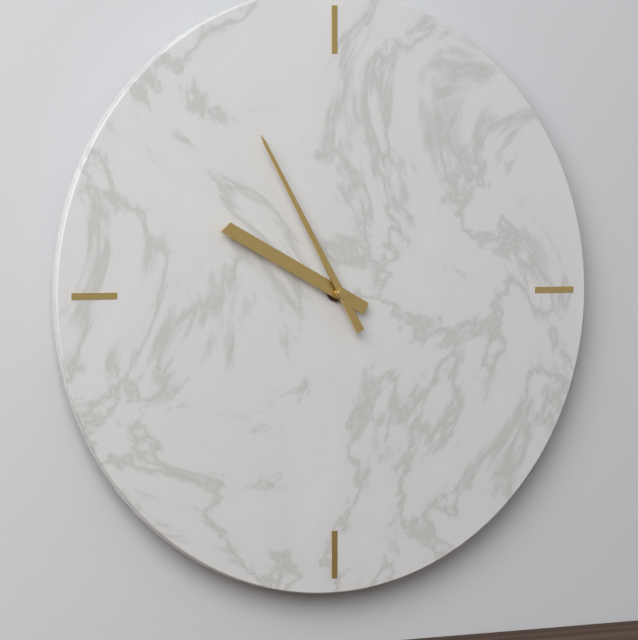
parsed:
9,55
